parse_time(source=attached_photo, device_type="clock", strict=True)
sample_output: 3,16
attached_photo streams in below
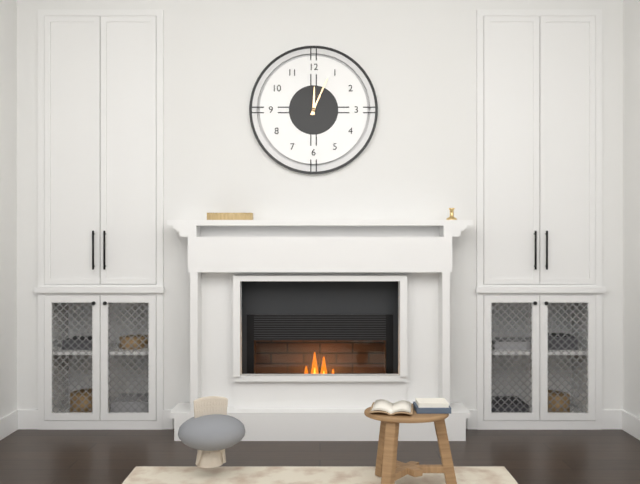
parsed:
12,04
